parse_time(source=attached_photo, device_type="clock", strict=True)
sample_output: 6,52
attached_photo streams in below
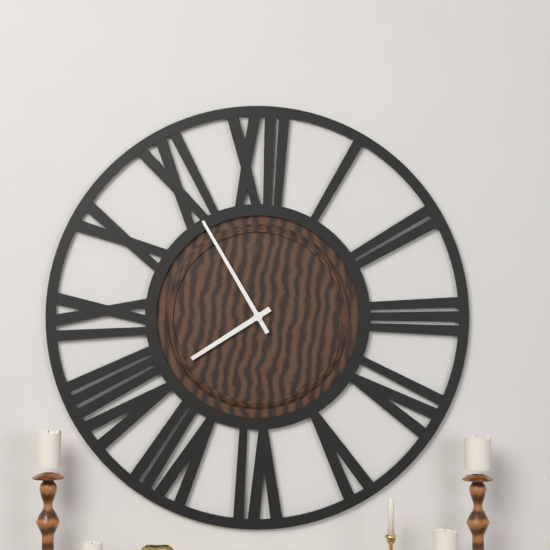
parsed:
7,55
